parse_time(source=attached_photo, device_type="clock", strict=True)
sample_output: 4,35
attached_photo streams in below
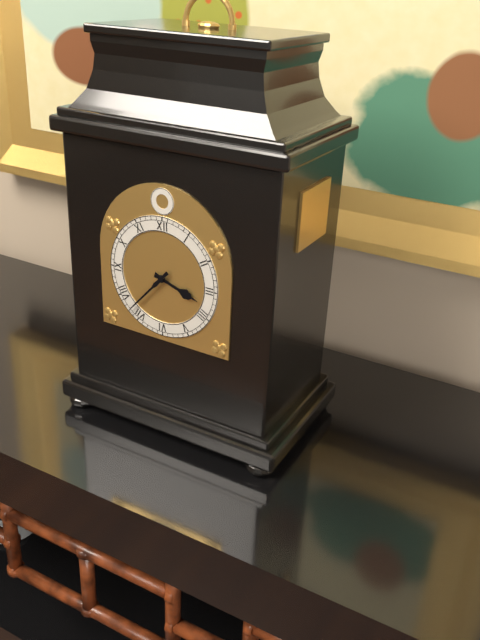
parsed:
3,37
